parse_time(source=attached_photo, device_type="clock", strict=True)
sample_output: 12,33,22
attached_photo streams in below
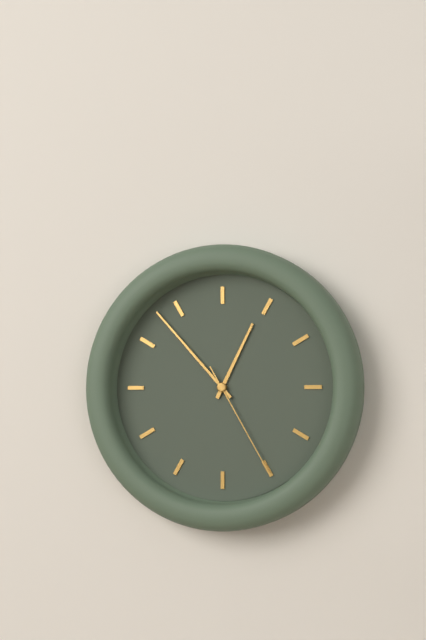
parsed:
12,53,25
